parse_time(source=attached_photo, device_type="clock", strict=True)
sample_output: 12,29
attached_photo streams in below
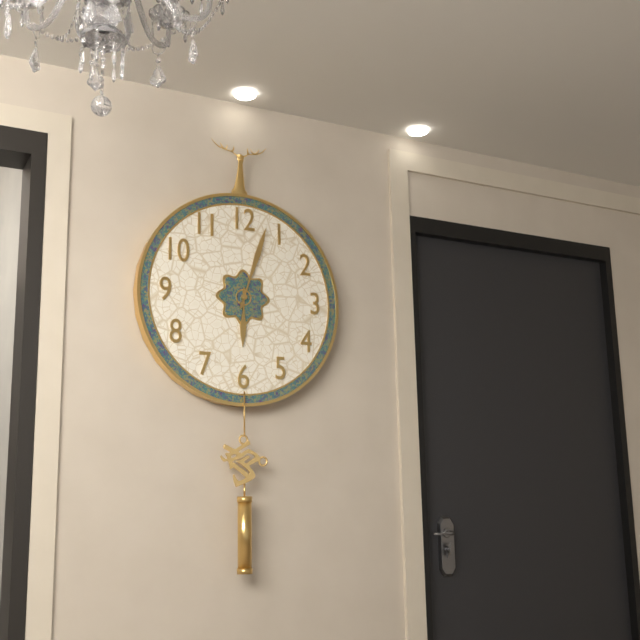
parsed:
6,03
